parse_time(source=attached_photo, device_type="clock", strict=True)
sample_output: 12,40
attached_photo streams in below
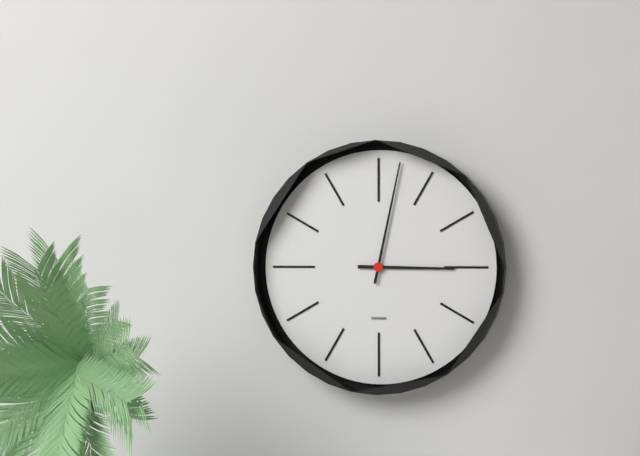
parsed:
3,02
